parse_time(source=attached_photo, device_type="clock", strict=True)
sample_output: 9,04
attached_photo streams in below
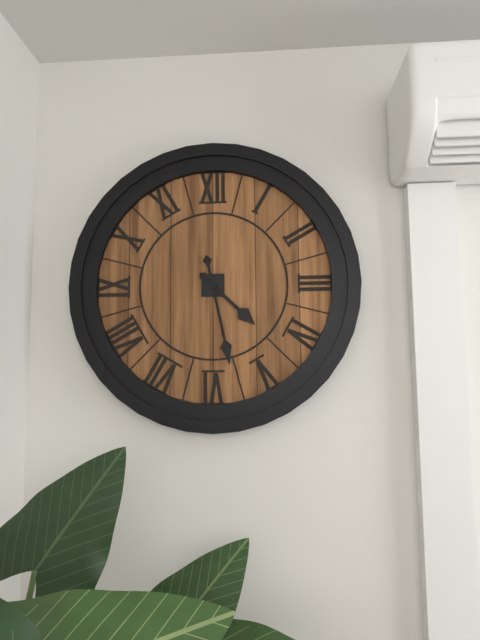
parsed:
4,28
